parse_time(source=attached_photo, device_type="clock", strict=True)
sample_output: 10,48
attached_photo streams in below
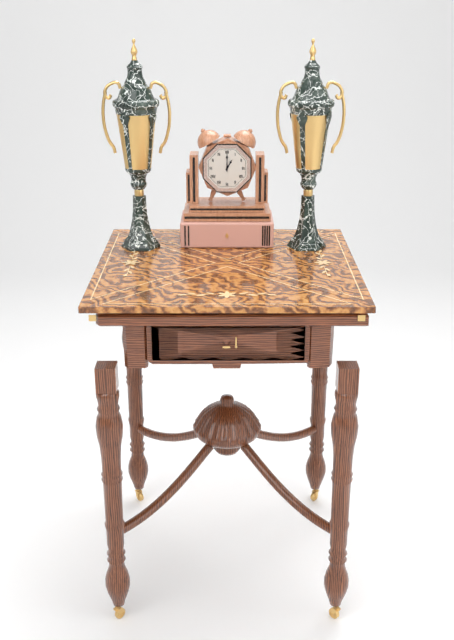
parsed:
1,00
